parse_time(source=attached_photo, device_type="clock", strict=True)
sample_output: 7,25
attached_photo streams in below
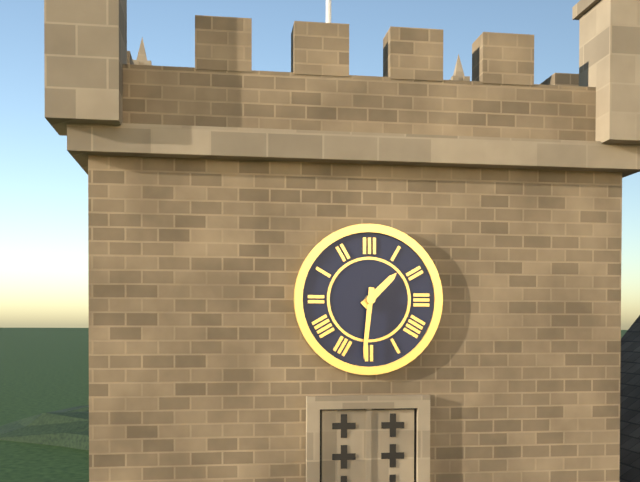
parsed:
1,31
